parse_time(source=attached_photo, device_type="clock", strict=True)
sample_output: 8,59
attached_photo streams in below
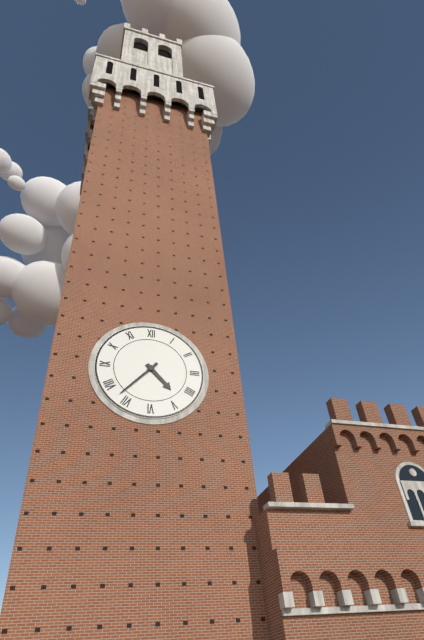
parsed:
4,37
